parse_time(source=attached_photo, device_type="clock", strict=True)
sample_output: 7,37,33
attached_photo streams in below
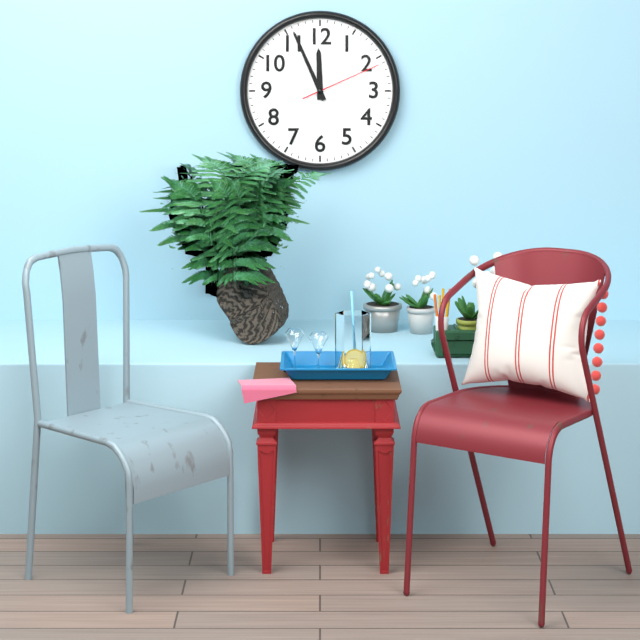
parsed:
11,56,11
